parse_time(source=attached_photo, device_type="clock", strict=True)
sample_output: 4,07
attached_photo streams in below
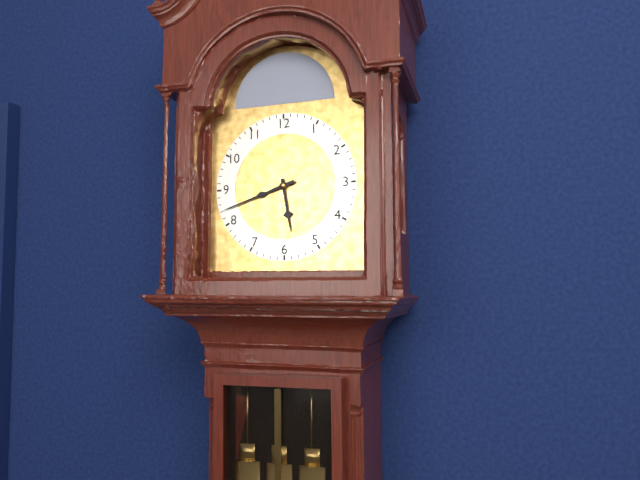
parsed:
5,42
